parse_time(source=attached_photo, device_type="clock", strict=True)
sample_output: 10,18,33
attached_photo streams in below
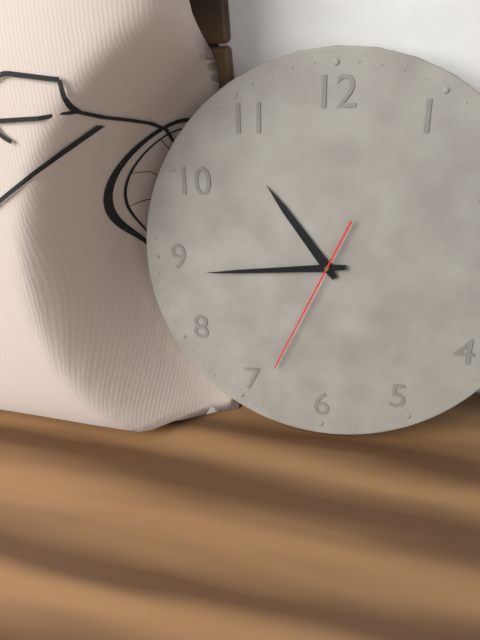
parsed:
10,44,34
